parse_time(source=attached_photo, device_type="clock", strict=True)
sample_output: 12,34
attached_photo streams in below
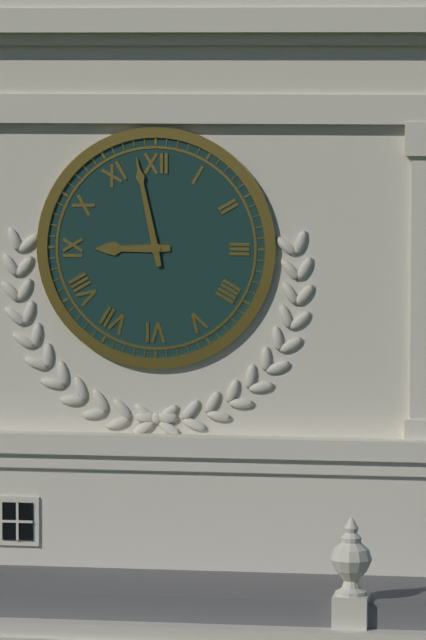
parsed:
8,58
